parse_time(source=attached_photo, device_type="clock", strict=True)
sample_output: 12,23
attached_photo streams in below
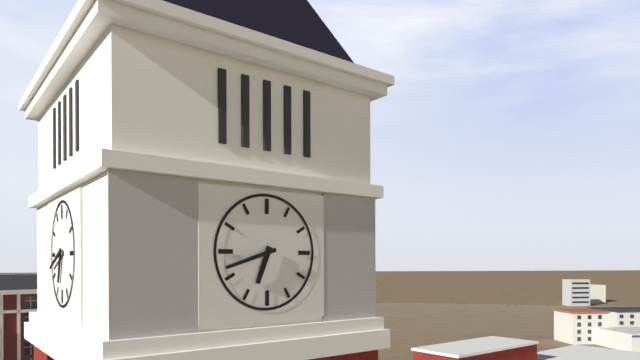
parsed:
6,42
